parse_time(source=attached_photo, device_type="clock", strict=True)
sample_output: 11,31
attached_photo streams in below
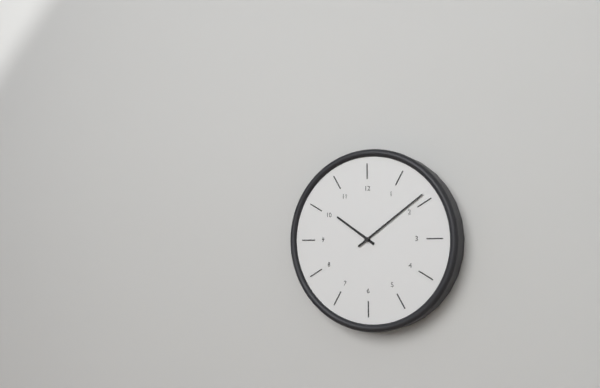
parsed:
10,09
